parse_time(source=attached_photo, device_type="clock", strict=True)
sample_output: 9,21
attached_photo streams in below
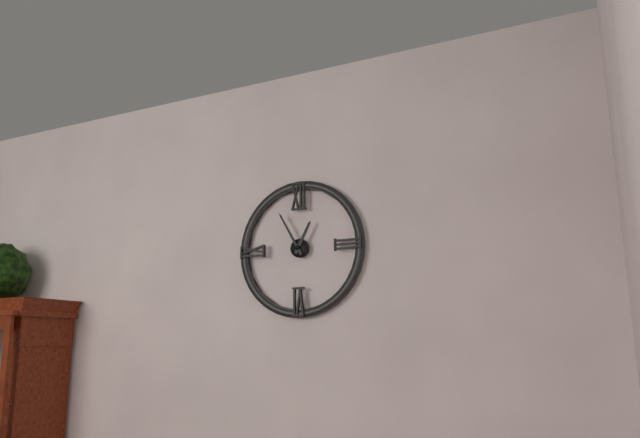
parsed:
12,55
